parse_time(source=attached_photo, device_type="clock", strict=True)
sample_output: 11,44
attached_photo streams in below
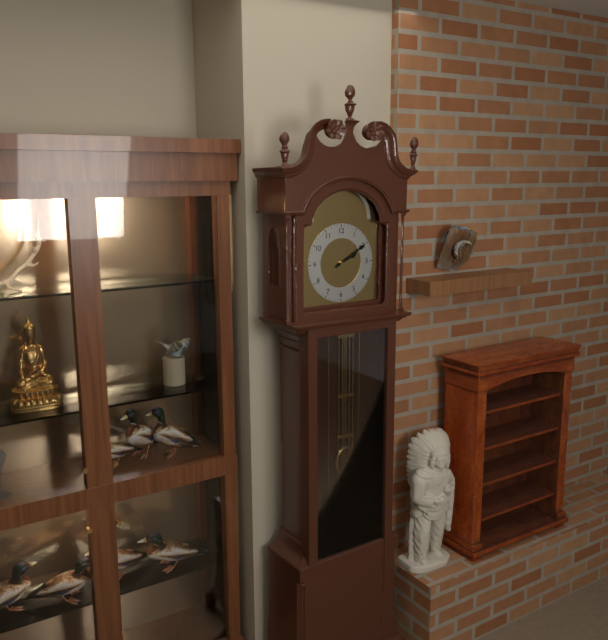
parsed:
2,10
